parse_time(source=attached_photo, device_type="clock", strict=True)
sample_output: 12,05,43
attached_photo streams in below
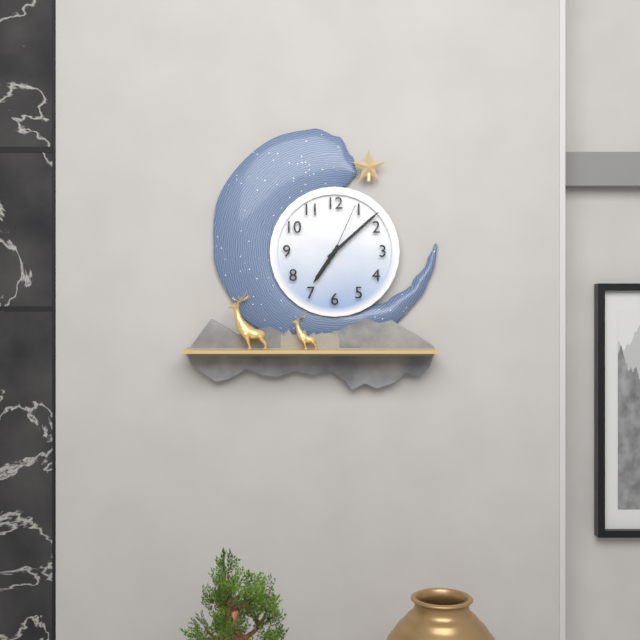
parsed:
7,08,04
